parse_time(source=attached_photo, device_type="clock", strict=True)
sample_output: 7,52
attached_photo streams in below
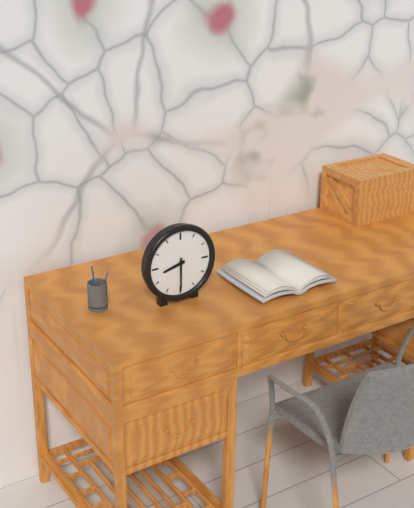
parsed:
8,30
